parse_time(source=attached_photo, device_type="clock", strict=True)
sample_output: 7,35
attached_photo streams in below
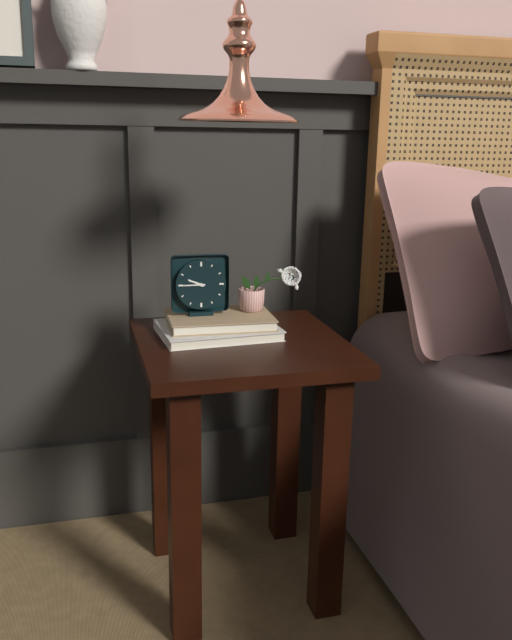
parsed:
9,45
